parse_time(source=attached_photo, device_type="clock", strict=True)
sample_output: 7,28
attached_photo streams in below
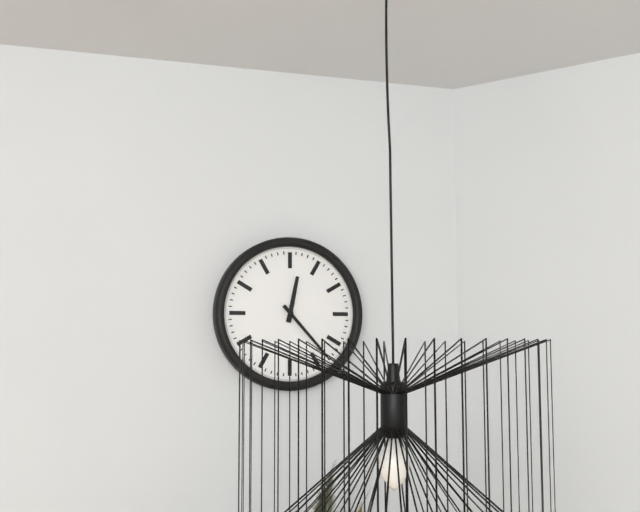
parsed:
12,23
